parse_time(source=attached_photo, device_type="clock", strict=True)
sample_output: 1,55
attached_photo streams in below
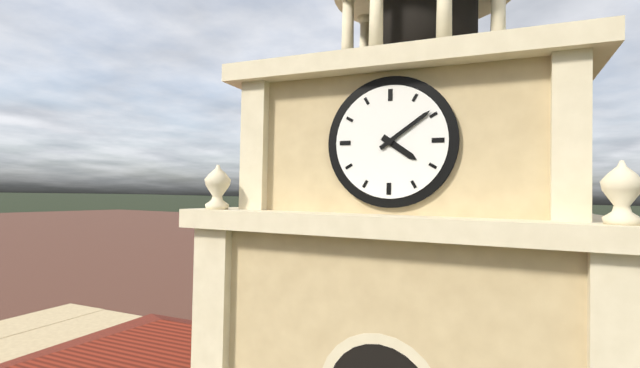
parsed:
4,09
